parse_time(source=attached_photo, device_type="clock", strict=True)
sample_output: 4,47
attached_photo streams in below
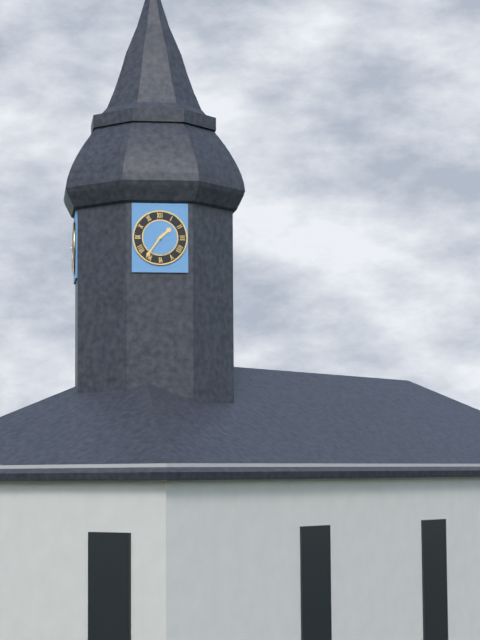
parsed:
1,36
